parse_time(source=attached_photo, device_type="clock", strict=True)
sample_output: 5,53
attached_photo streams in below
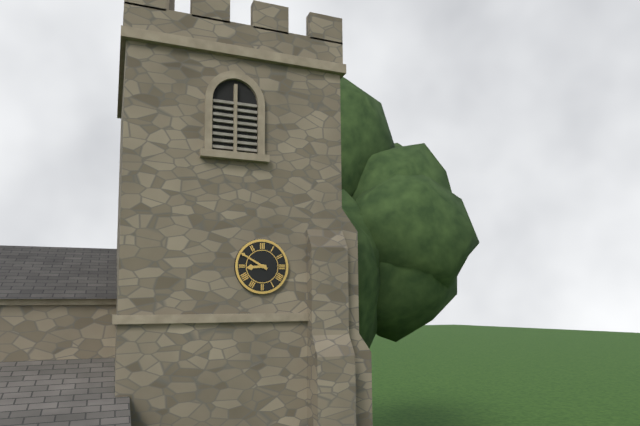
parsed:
8,50
